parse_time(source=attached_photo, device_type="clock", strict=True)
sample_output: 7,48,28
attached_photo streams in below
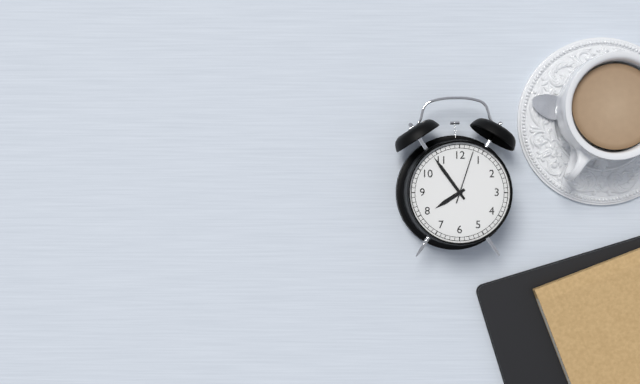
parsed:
7,54,03
